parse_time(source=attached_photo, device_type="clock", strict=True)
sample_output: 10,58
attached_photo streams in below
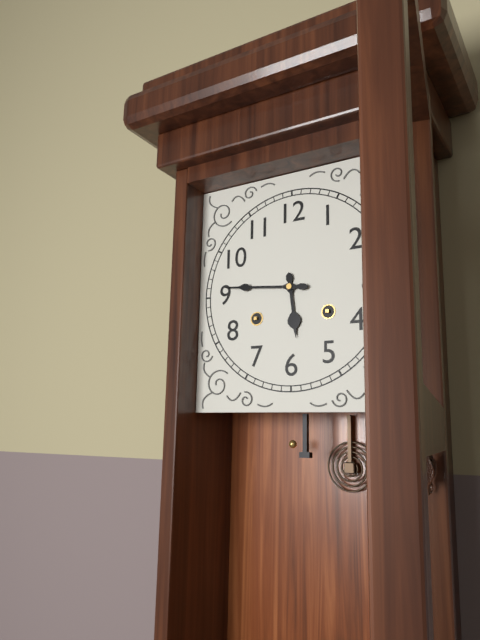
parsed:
5,46
